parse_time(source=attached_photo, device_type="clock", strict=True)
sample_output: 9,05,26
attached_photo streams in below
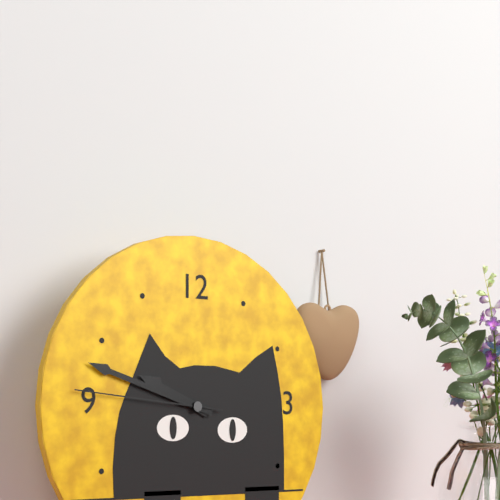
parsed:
9,48,46
